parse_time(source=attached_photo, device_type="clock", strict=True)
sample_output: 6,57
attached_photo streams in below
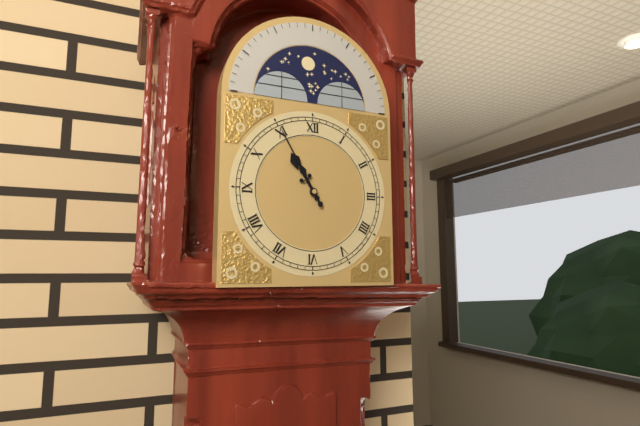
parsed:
10,55
